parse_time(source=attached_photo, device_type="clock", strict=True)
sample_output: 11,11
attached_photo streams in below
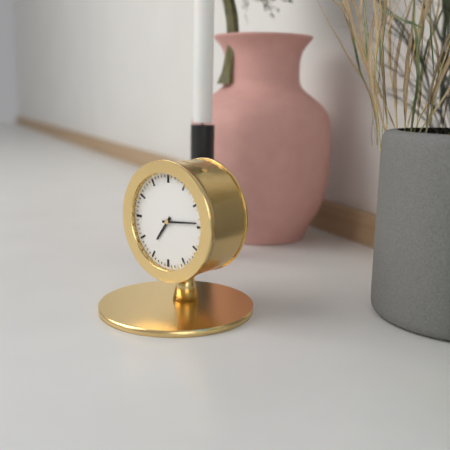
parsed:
7,14
